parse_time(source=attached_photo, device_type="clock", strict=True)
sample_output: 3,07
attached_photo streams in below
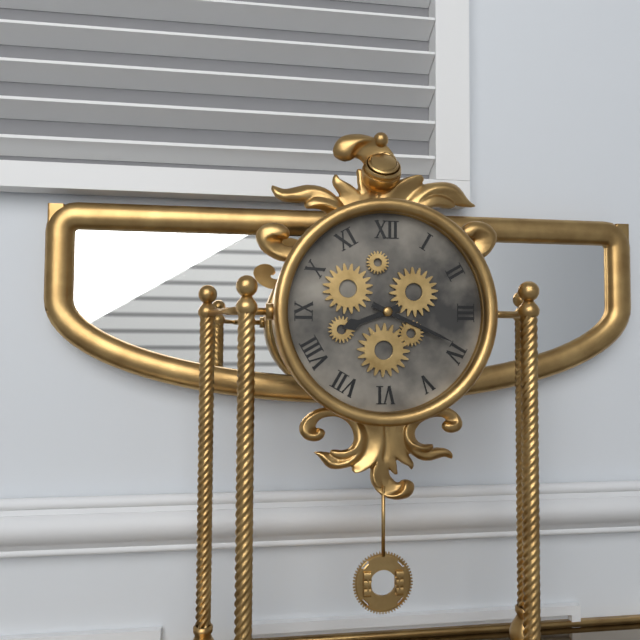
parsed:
8,19
